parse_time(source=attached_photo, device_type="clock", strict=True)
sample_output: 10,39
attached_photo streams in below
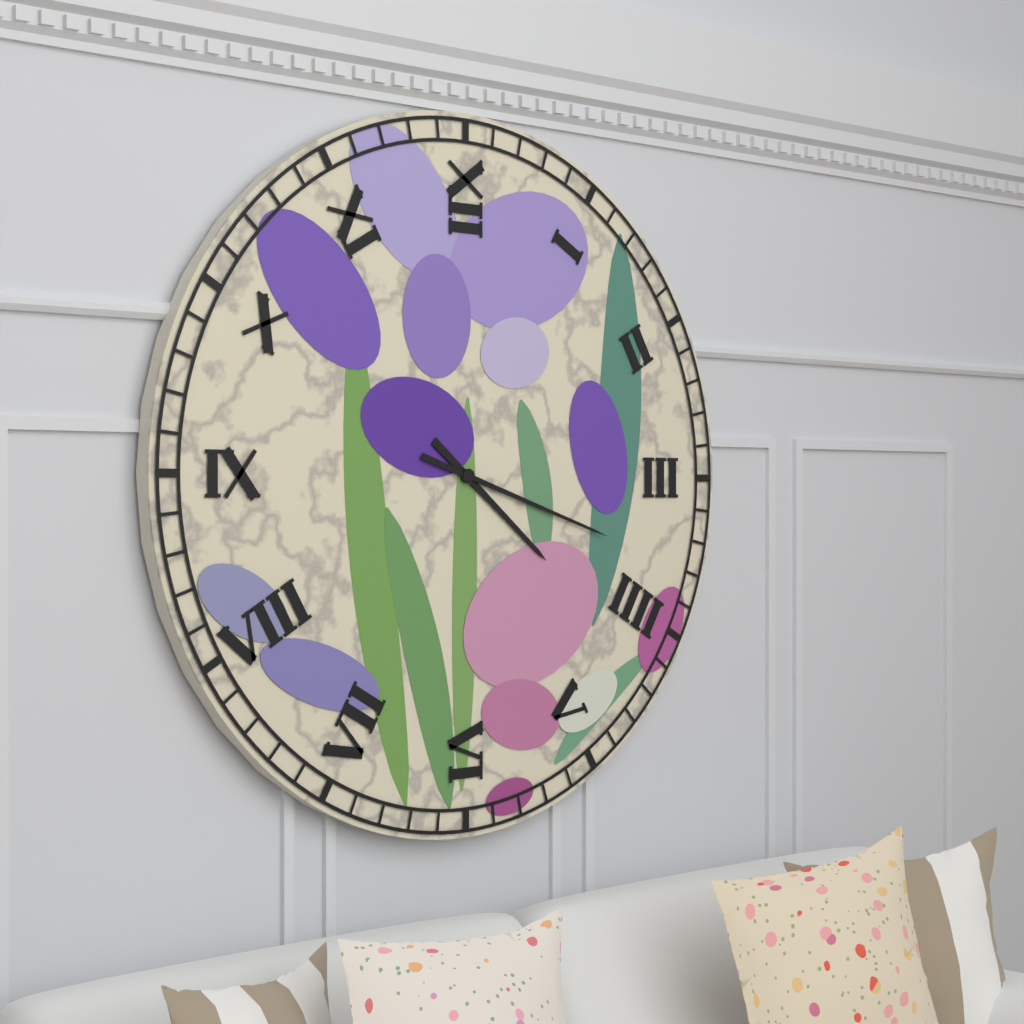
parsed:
4,18
